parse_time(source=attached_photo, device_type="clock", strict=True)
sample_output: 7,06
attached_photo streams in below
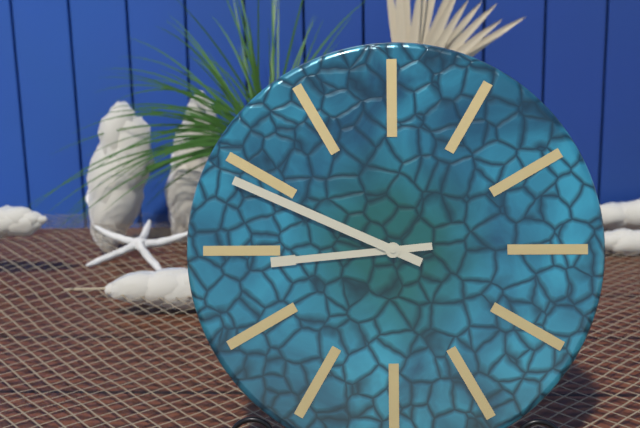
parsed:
8,49
